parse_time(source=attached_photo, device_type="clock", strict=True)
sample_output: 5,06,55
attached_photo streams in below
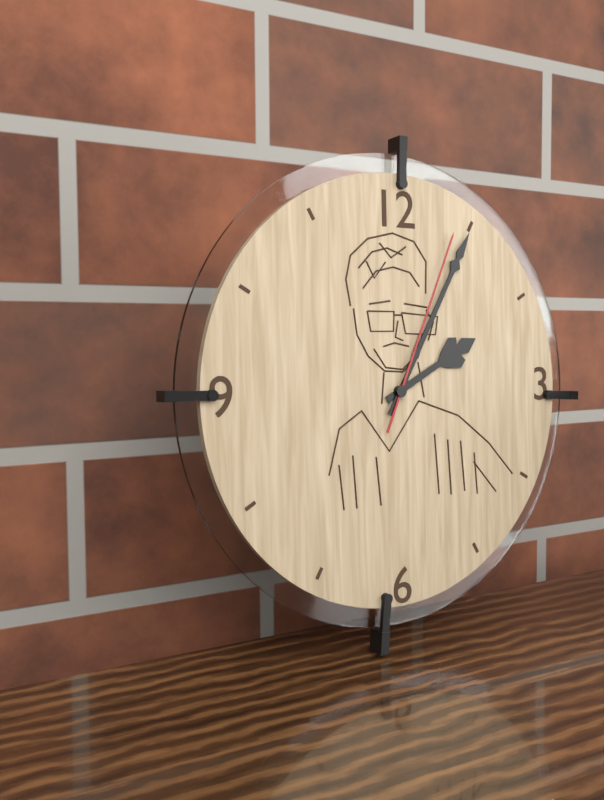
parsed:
2,05,04
